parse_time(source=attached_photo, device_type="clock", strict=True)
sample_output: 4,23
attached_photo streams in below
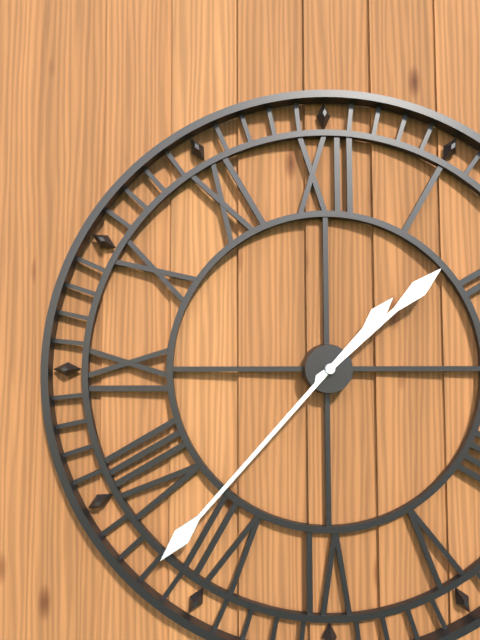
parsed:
1,37
